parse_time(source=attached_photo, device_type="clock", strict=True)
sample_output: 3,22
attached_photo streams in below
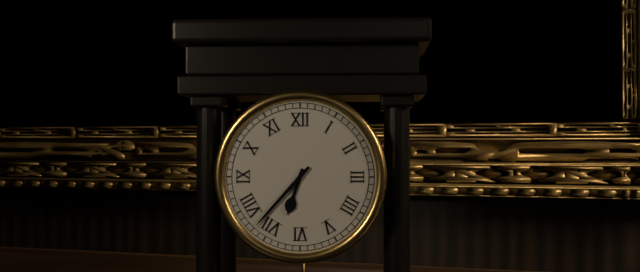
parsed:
6,37
